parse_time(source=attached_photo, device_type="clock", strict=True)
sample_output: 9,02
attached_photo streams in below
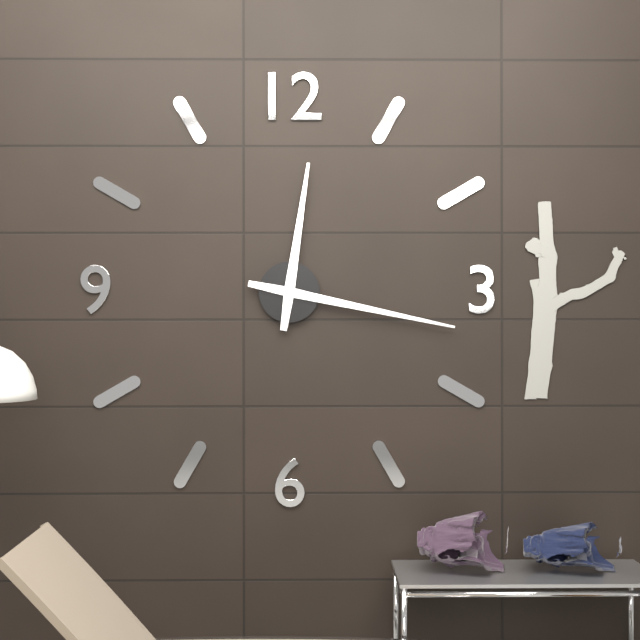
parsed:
12,17
